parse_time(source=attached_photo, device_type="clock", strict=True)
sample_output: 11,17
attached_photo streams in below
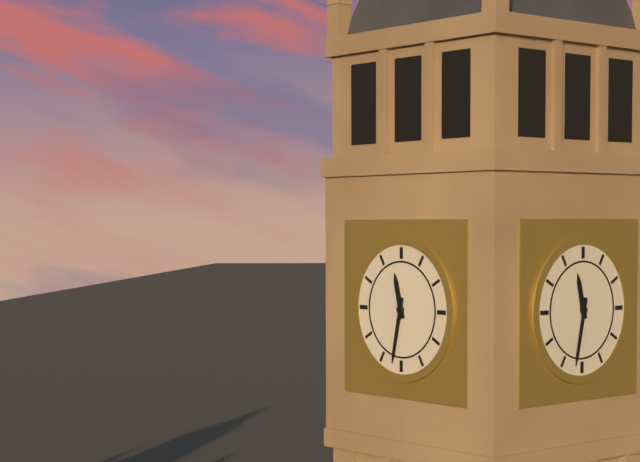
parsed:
11,32
